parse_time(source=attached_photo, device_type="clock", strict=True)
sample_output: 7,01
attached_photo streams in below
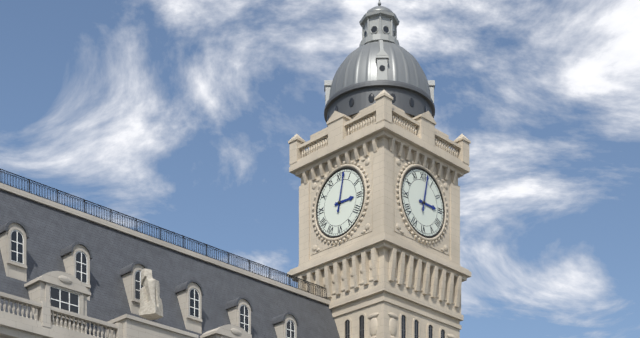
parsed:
3,02
